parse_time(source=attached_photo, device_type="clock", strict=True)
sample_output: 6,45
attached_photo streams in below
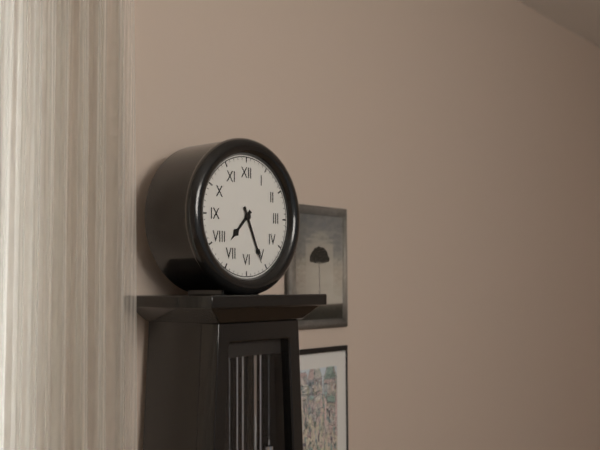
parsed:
7,26
